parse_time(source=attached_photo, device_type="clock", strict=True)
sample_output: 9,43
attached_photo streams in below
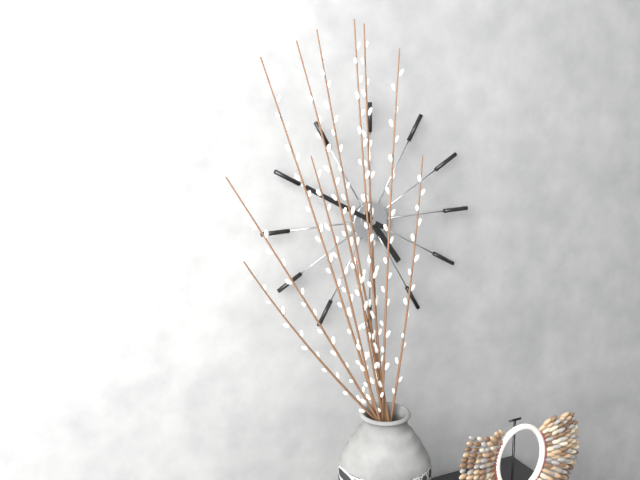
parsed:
4,50
